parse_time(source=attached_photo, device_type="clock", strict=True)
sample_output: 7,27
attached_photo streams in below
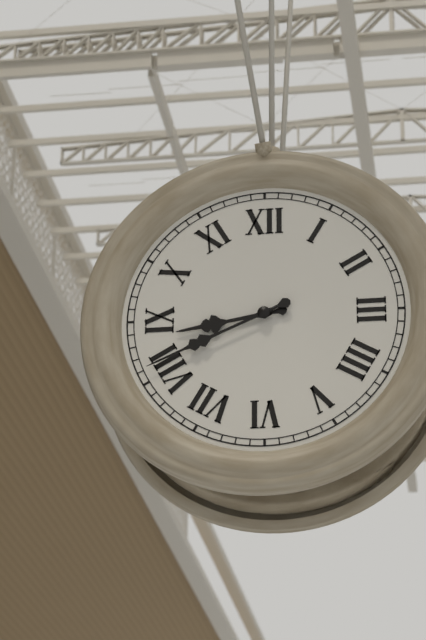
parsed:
8,41
